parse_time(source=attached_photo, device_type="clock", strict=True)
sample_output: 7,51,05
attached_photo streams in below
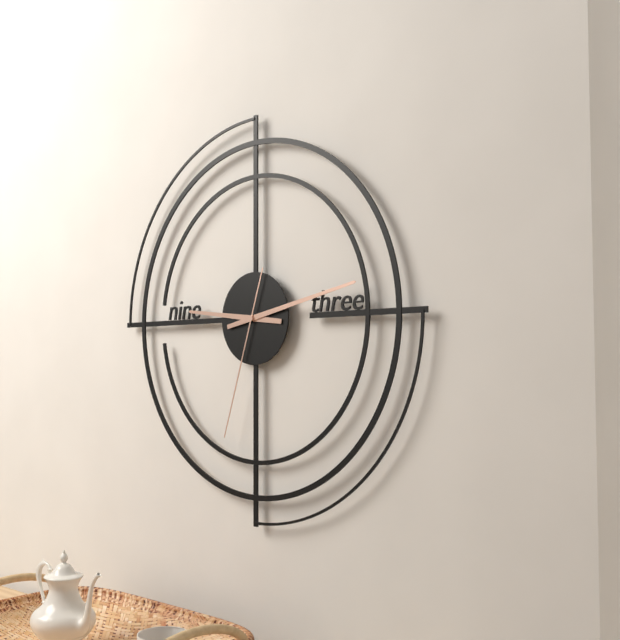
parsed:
9,13,33
